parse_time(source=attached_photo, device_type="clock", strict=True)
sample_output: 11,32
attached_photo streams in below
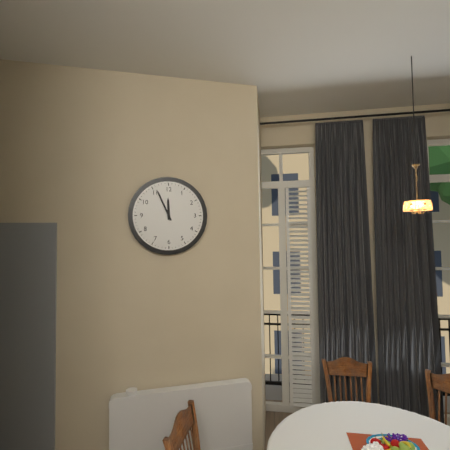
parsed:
11,56
